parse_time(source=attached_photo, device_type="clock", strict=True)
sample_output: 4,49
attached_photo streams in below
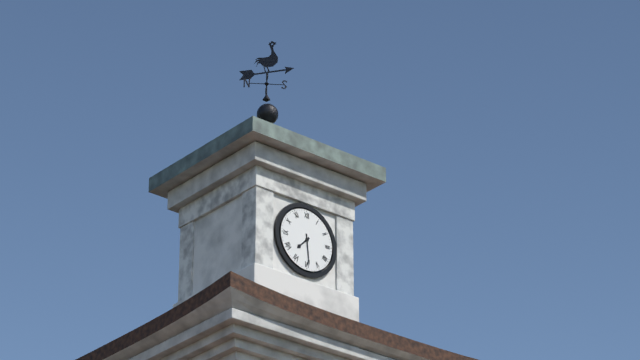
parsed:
7,29
